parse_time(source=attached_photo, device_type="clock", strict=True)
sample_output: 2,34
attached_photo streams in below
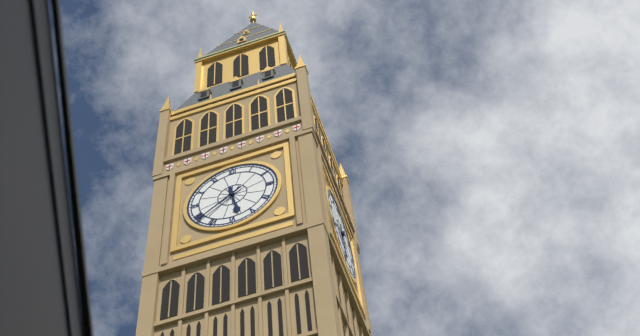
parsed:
5,39
